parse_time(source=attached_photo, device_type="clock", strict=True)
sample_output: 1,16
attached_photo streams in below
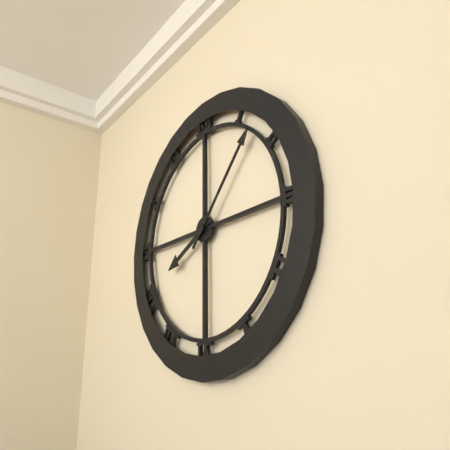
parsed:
8,07
